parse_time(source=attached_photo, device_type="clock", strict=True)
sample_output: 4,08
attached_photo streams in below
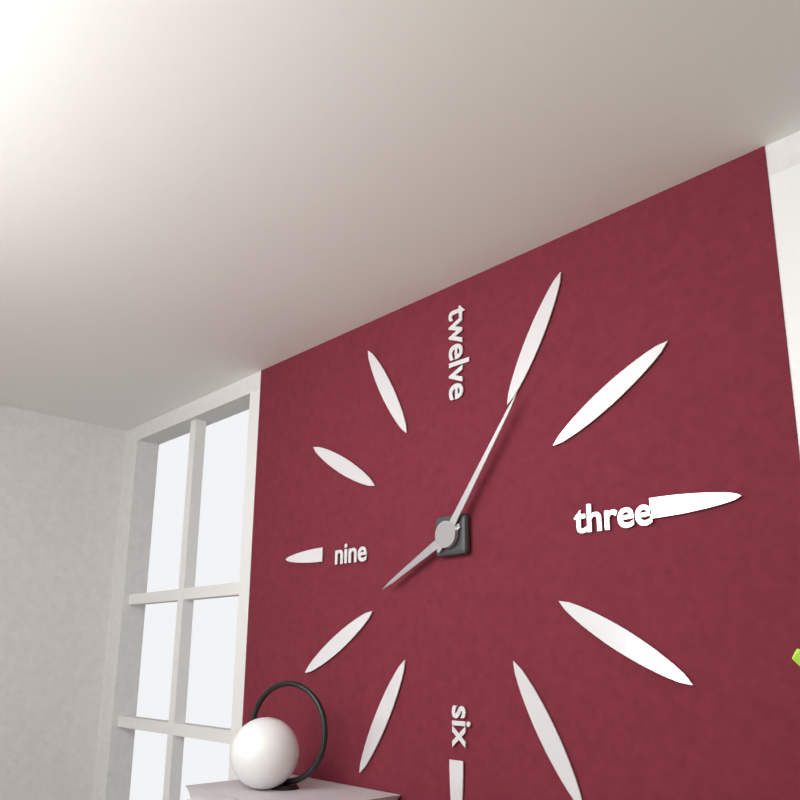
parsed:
8,06
